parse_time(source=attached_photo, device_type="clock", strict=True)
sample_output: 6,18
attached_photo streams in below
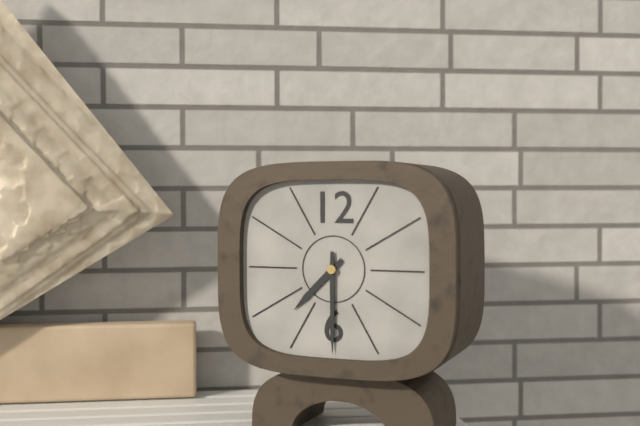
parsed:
7,30
